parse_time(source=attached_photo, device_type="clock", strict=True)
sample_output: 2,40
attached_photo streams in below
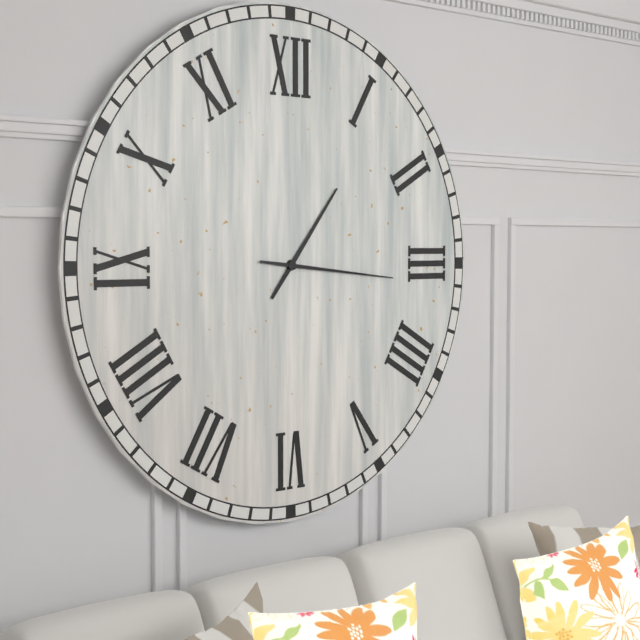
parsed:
1,16
